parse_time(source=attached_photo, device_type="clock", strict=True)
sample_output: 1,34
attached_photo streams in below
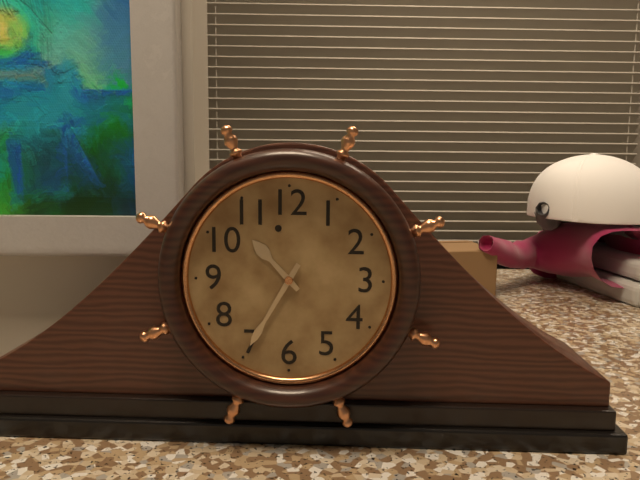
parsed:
10,35
